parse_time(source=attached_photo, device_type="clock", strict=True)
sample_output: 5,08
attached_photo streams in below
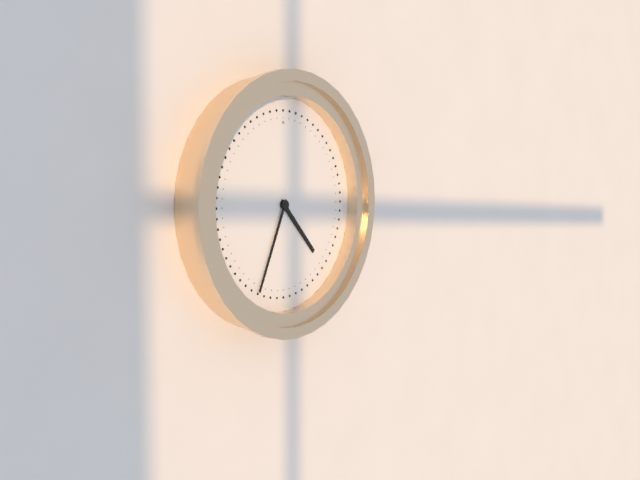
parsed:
4,34
